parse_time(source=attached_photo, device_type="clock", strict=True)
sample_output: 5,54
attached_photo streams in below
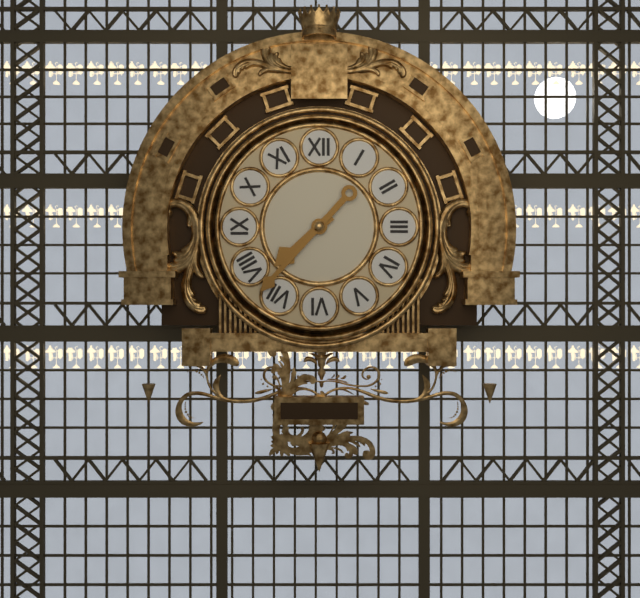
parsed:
7,37
